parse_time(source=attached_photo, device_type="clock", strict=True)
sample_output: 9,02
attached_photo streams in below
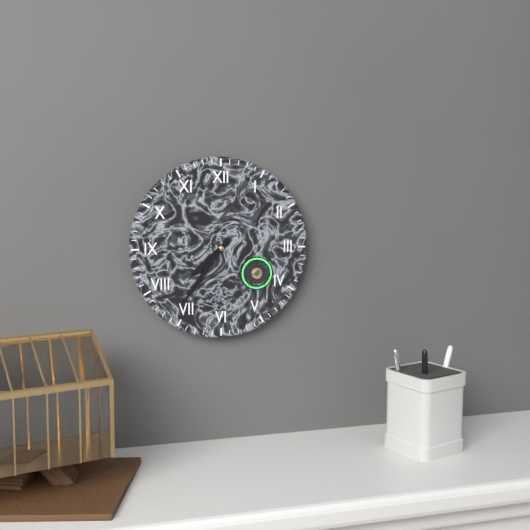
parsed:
7,36
